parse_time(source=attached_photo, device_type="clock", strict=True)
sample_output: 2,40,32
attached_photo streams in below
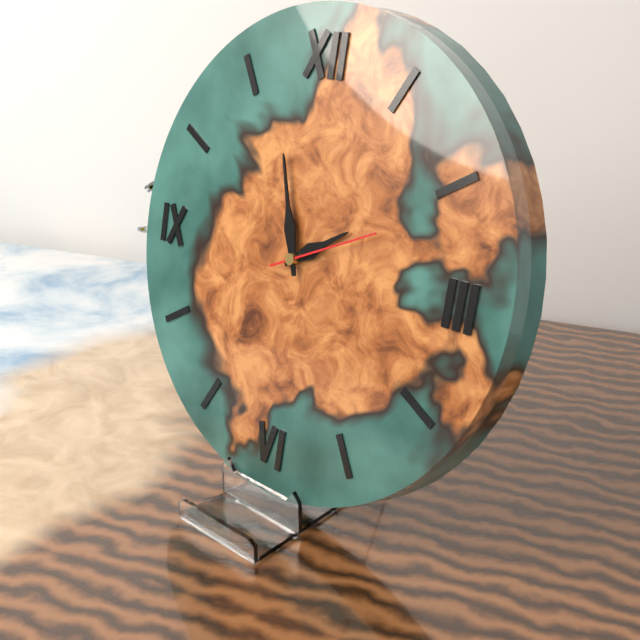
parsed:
1,57,11
